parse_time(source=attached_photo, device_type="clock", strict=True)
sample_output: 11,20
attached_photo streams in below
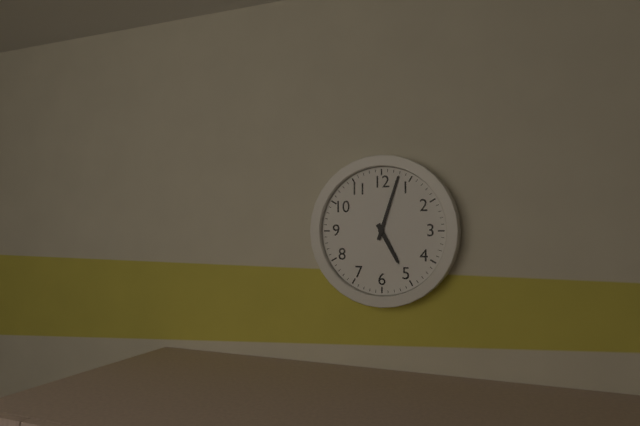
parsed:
5,03
